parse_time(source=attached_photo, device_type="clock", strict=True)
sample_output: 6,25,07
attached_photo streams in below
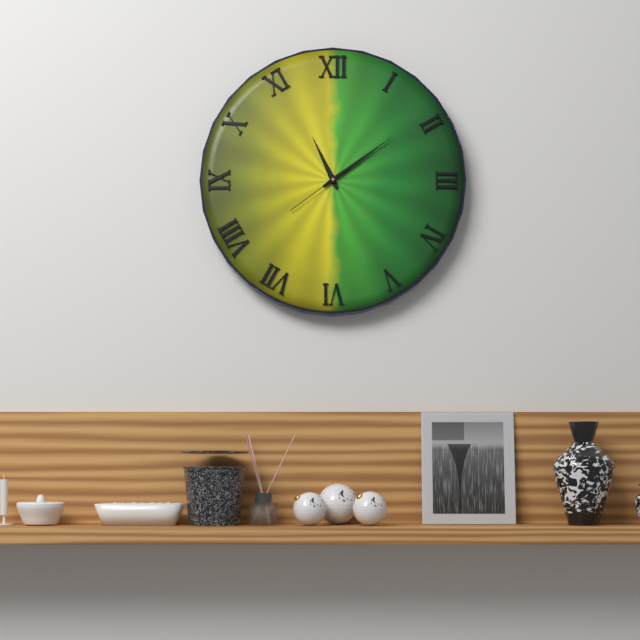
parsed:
11,09,39
